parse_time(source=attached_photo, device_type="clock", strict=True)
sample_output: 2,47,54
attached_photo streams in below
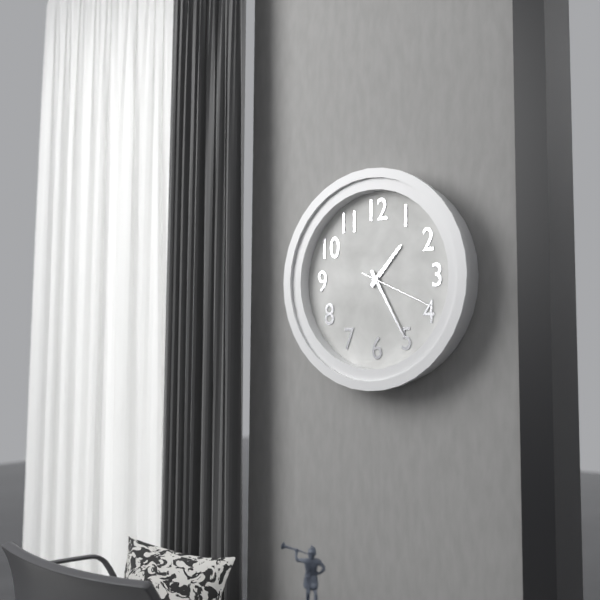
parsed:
1,25,19
